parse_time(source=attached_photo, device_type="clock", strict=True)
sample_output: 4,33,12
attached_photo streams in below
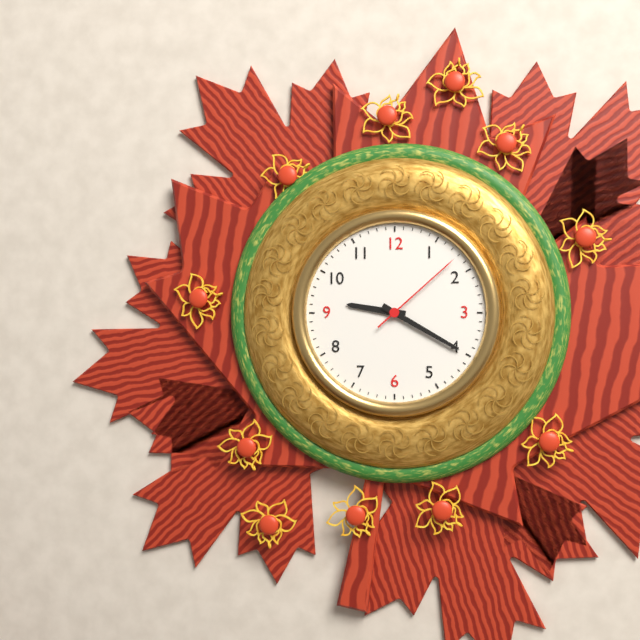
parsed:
9,20,08
